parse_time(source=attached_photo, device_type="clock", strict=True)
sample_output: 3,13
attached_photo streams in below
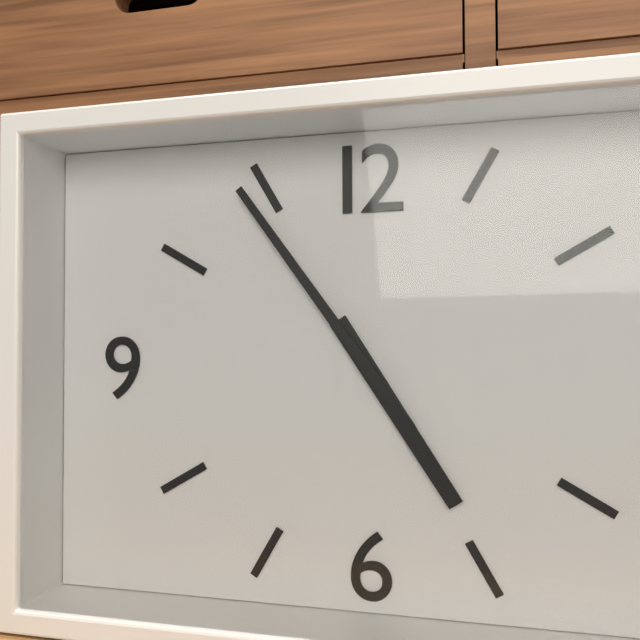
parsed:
4,54
